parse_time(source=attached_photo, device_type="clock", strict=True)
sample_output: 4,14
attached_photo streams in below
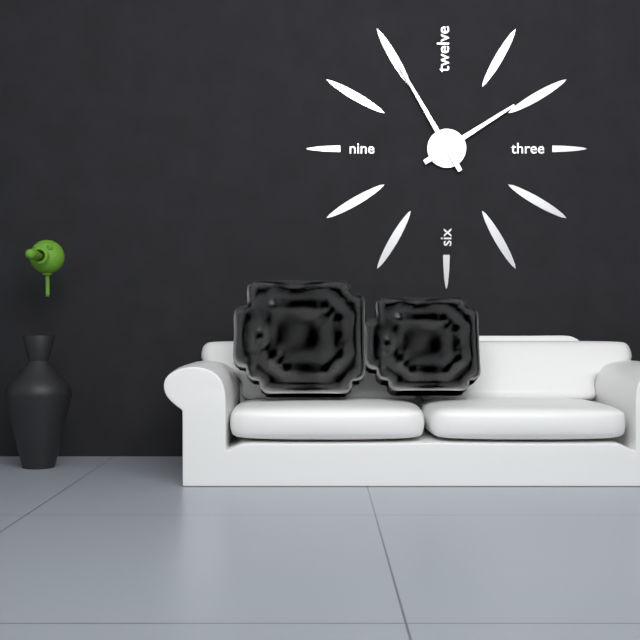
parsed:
1,55
